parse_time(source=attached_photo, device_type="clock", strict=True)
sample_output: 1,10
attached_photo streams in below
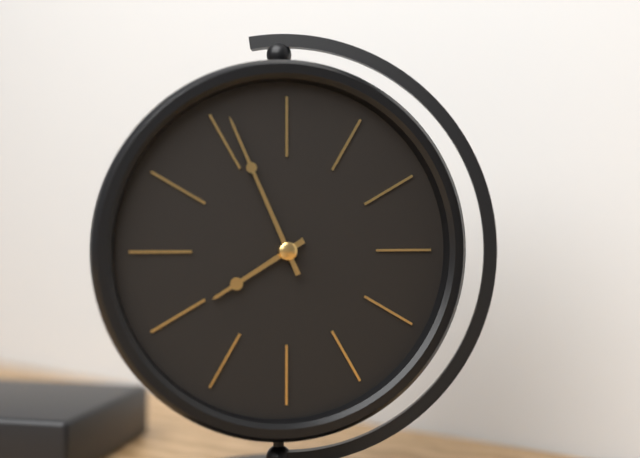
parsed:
7,56
